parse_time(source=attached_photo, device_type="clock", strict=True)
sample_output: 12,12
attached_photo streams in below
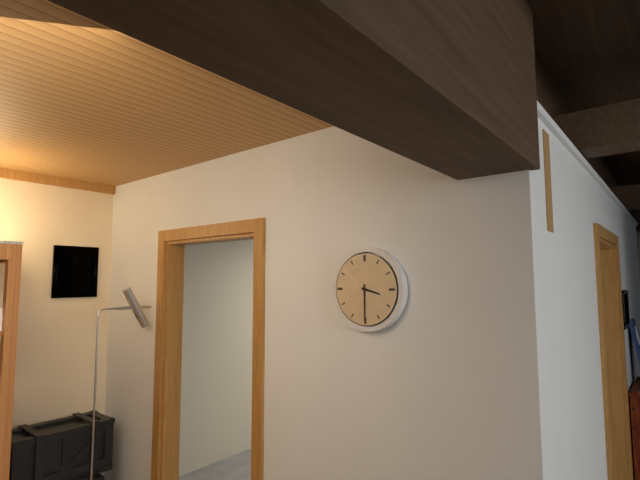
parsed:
3,30
